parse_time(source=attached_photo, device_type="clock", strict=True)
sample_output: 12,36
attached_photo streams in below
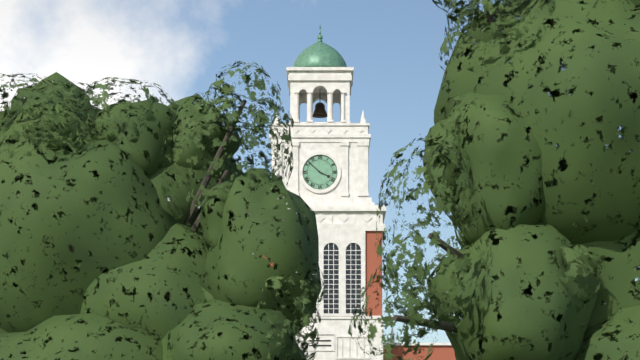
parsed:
3,52
